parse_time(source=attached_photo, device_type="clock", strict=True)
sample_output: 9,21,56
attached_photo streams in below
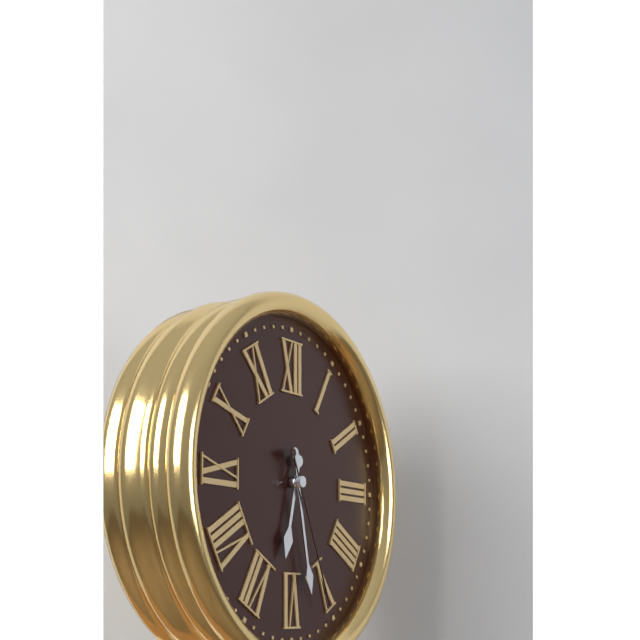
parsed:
6,28,26
